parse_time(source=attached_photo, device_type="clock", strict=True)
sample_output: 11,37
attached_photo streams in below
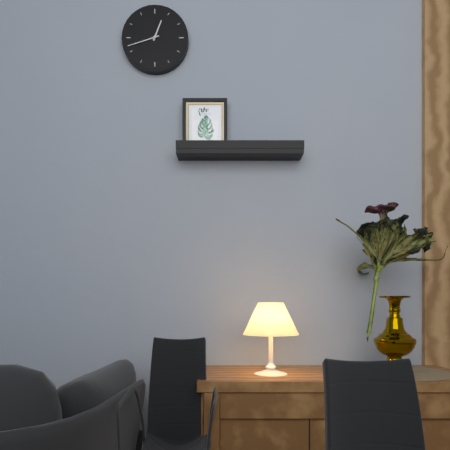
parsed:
12,42
